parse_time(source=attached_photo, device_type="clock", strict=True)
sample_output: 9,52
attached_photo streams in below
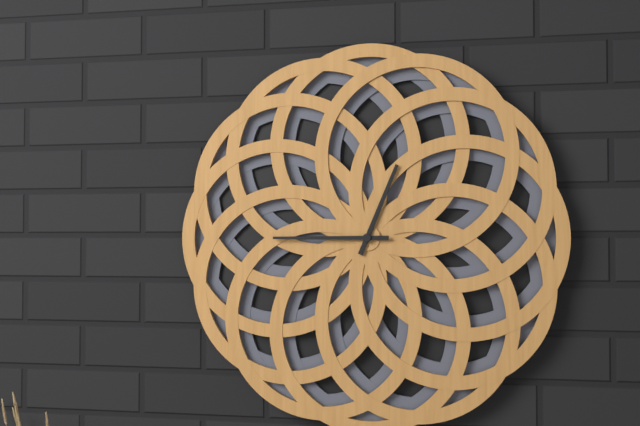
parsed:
12,45
